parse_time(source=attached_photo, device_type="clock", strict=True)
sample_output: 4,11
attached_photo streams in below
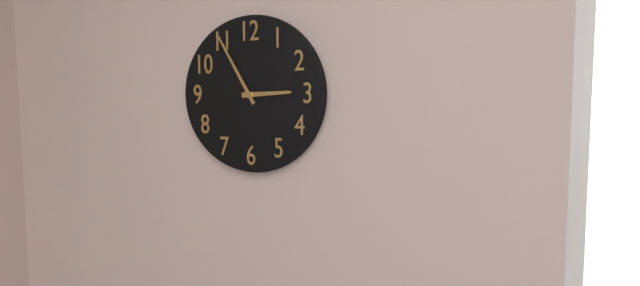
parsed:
2,55
